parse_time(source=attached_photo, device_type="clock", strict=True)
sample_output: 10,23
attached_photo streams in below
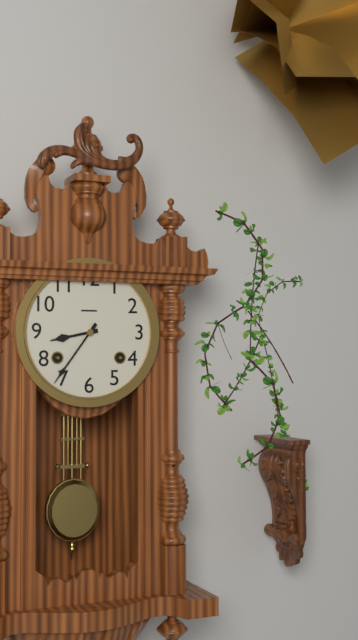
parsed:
8,36
